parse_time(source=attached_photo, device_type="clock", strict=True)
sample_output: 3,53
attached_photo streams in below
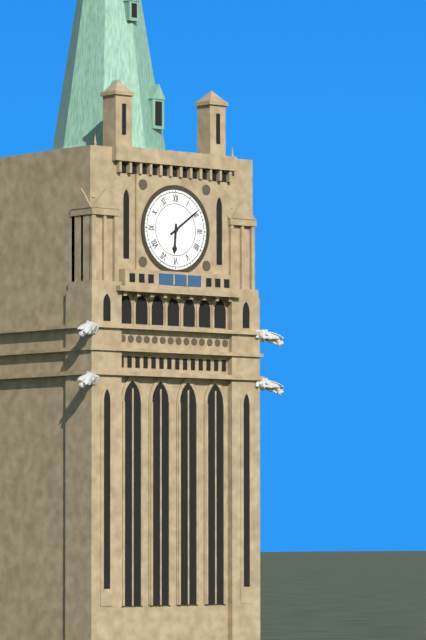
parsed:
6,09
